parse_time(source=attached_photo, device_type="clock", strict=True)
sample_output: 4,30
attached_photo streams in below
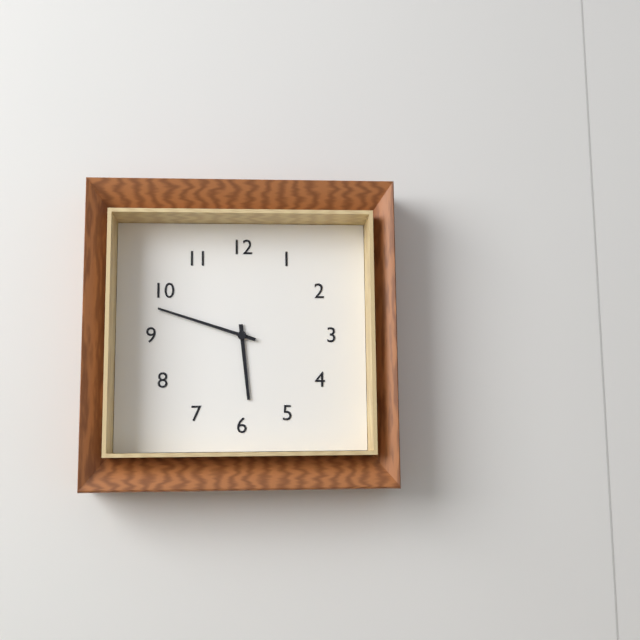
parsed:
5,48
